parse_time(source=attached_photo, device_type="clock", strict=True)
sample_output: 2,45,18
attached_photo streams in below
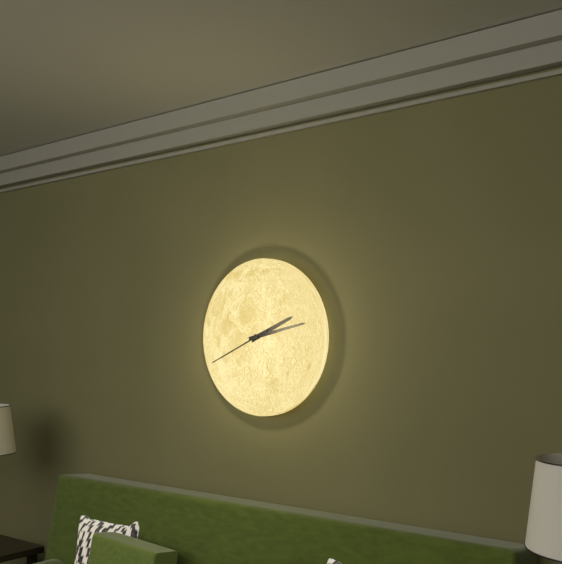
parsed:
2,13,41
